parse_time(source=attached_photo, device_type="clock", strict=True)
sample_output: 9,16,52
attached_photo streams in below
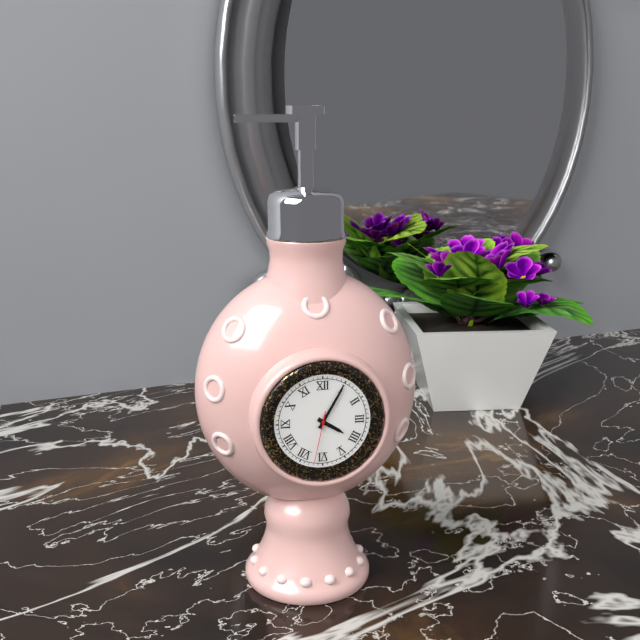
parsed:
4,05,32
